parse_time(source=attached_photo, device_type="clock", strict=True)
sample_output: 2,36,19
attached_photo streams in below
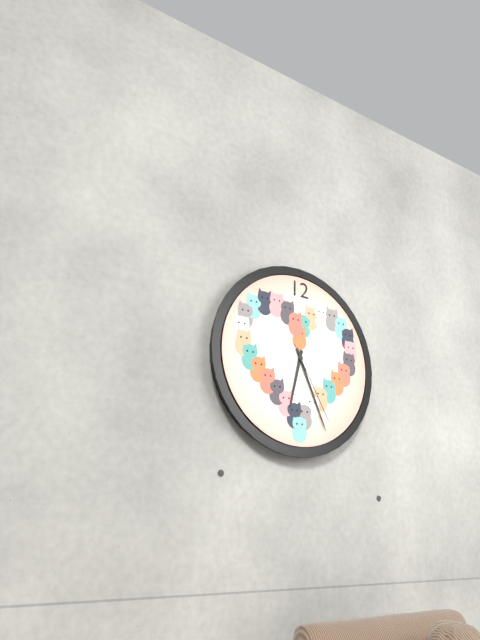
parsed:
6,26,25
